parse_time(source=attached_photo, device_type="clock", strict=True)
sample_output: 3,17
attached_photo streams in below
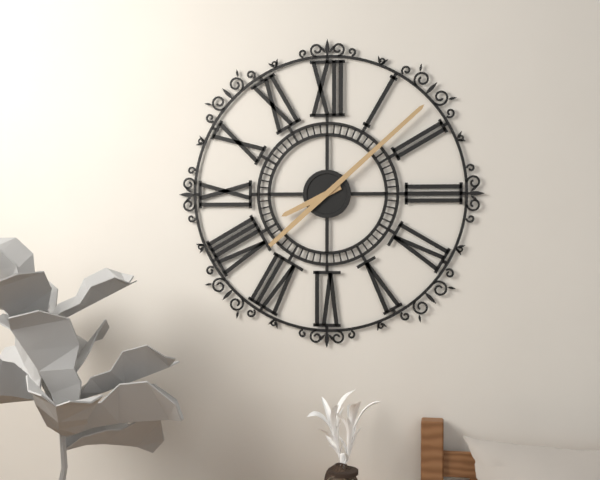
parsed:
8,08
